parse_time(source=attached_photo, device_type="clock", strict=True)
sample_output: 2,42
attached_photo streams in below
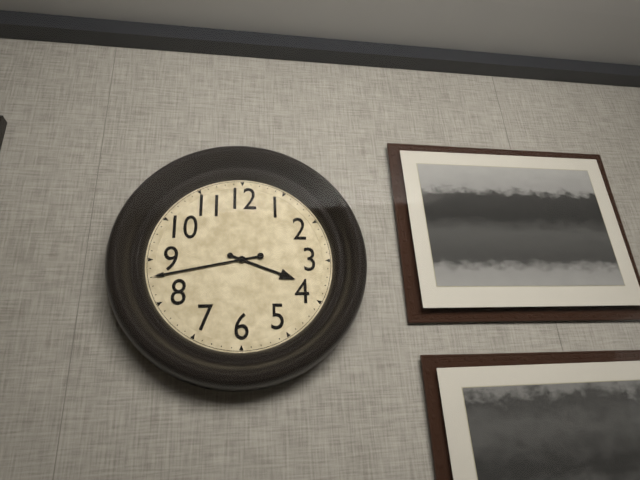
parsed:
3,43
